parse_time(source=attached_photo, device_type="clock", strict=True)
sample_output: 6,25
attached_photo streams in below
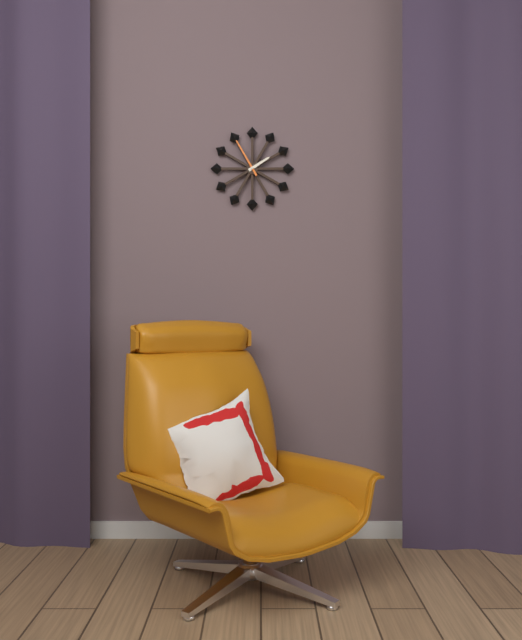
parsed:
1,55
